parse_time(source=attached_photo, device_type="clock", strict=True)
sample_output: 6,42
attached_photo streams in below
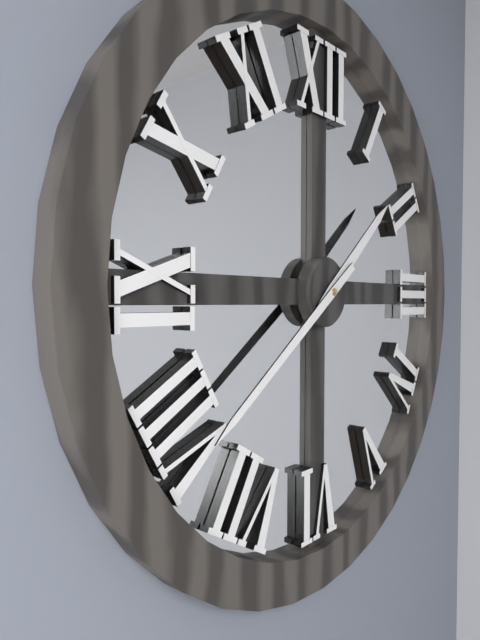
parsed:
1,39
